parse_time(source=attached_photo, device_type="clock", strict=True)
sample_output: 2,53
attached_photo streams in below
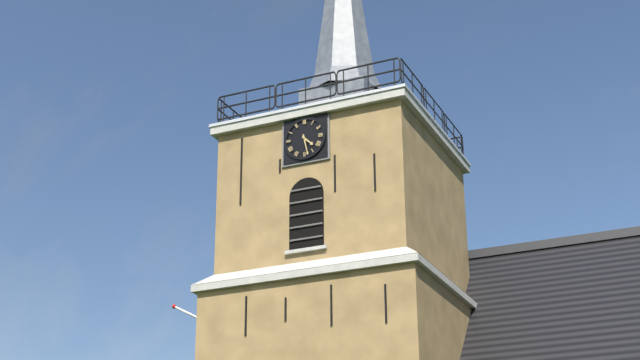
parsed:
4,28
